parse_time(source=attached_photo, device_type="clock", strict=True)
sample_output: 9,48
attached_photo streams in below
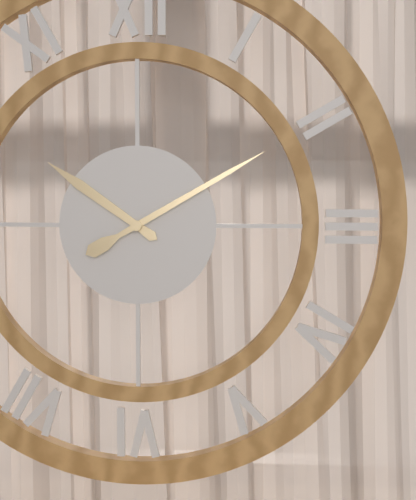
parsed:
10,10
